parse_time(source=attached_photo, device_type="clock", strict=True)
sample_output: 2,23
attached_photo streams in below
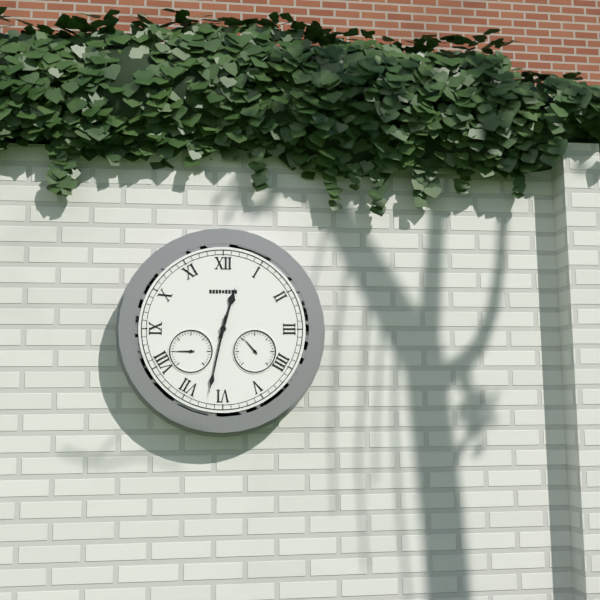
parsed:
12,32
